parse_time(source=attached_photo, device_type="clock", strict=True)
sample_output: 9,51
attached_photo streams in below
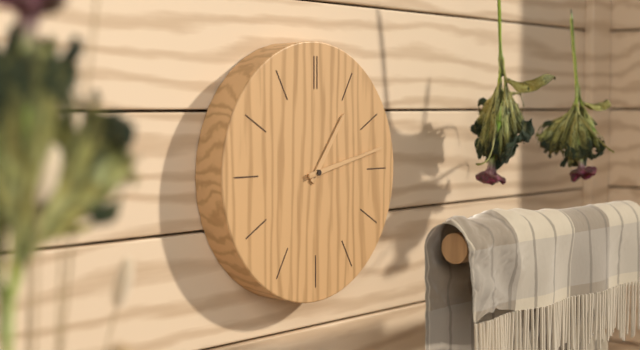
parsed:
1,13
